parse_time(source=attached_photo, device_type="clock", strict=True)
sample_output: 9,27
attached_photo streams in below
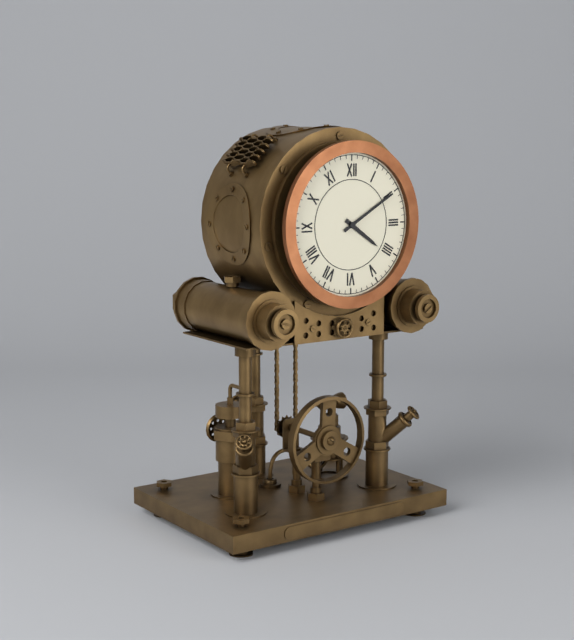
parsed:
4,10
